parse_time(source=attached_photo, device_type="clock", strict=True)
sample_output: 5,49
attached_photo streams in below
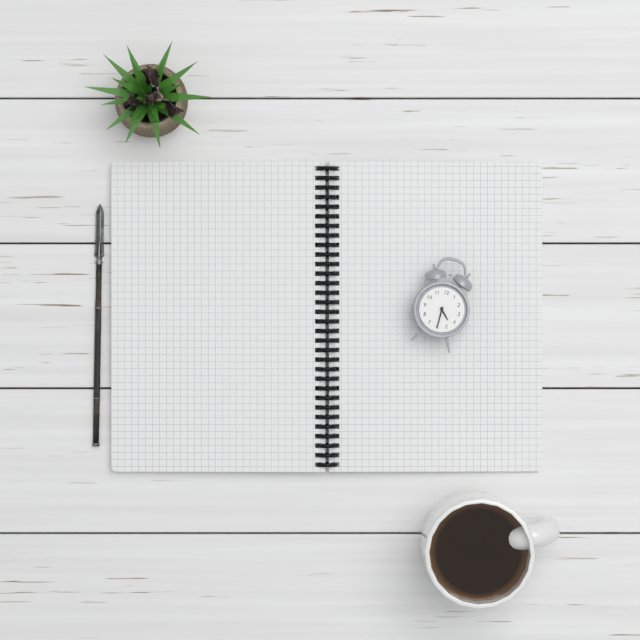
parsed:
4,30
